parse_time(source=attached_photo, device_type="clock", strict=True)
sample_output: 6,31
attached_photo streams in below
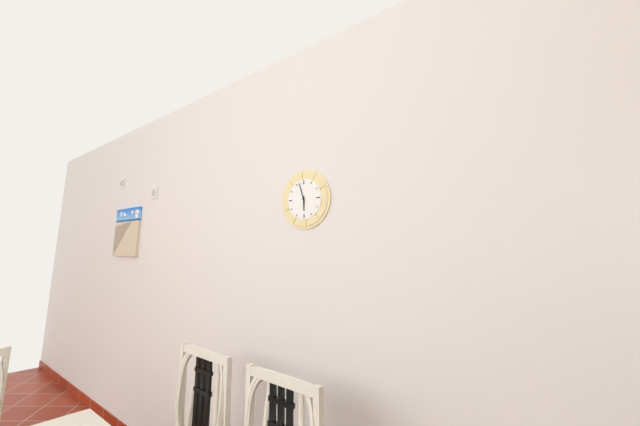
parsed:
5,57
